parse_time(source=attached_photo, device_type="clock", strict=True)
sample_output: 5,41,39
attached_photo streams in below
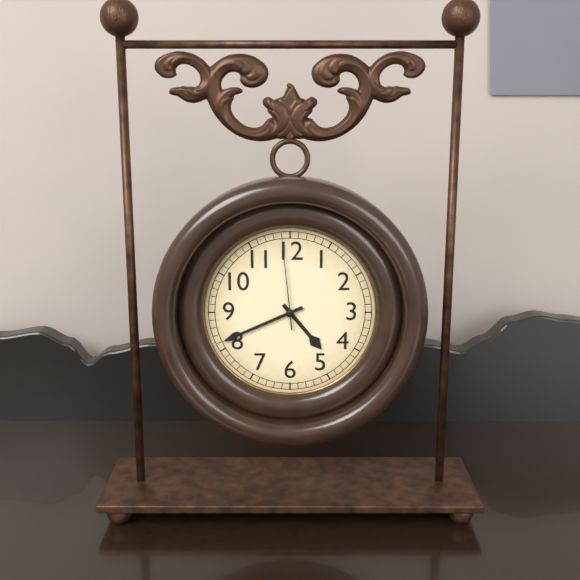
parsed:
4,41,59
